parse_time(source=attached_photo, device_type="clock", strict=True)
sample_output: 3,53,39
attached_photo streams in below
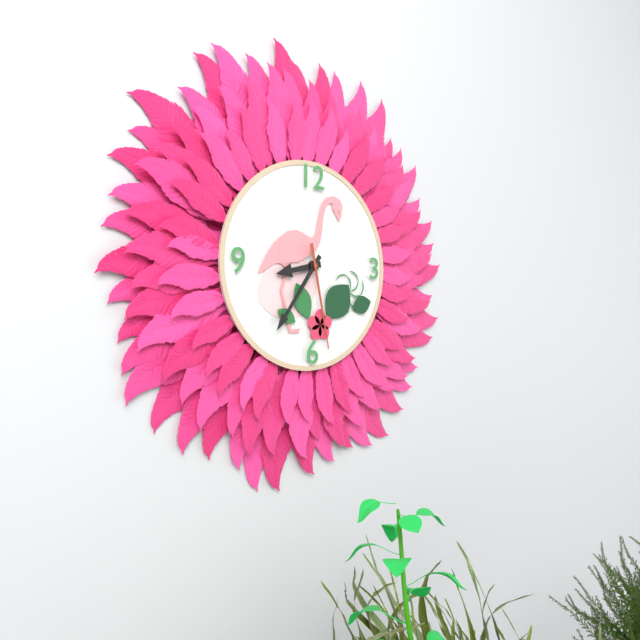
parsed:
8,36,28
